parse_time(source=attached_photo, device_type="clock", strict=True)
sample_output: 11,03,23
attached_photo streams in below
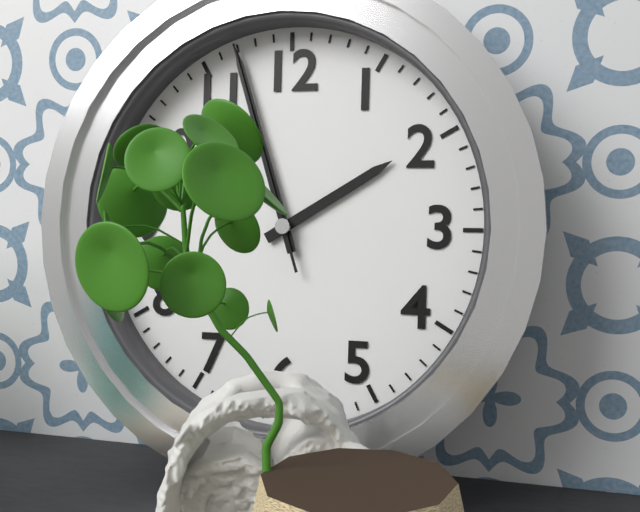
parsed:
1,57,57
